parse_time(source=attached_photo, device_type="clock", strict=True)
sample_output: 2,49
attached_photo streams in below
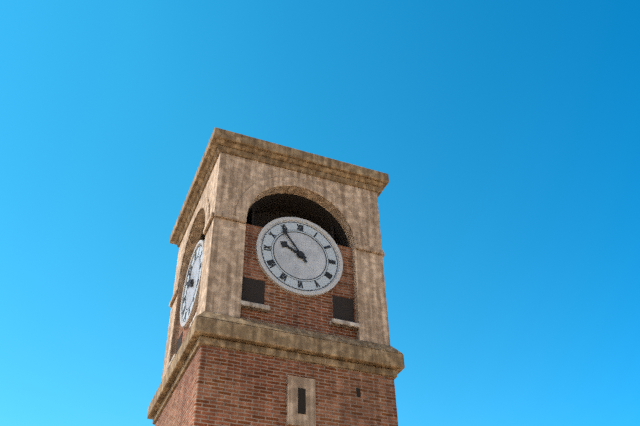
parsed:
9,54
